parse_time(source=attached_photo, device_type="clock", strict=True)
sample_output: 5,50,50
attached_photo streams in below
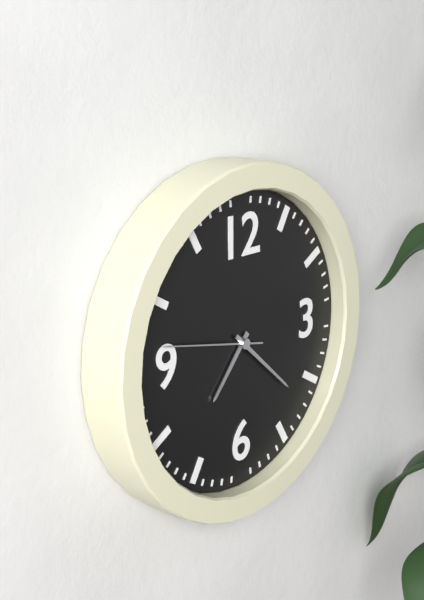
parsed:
7,22,47
